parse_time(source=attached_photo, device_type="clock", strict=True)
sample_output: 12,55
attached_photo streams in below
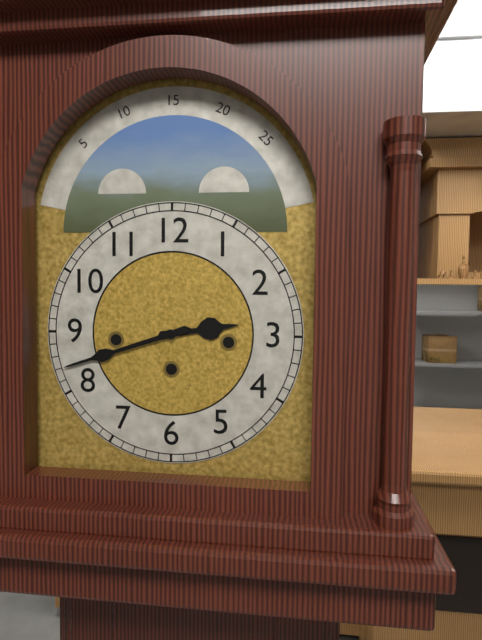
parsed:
2,42
